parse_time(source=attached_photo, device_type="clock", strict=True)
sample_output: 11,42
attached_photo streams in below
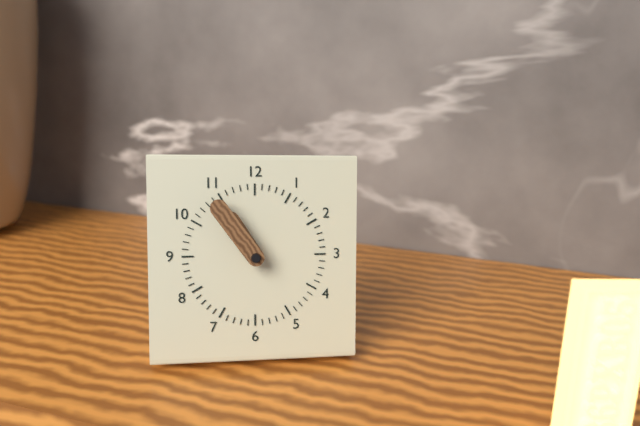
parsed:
10,54
